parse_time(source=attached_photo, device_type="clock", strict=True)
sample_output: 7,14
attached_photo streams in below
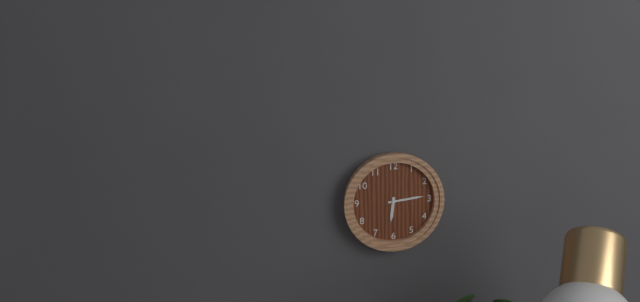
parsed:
6,14
